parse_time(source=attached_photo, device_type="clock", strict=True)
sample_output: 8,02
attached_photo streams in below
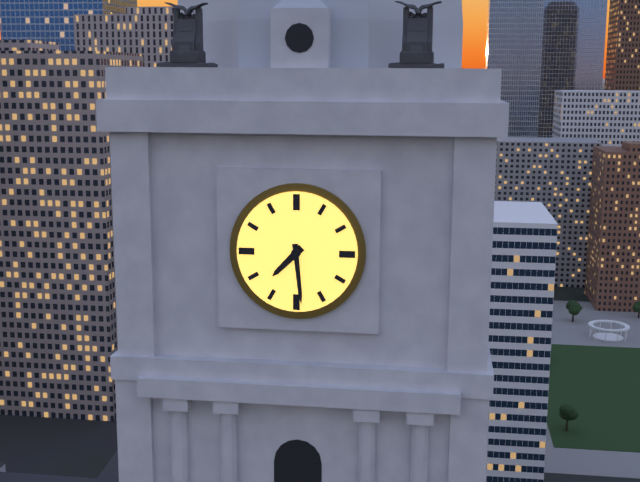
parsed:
7,29
